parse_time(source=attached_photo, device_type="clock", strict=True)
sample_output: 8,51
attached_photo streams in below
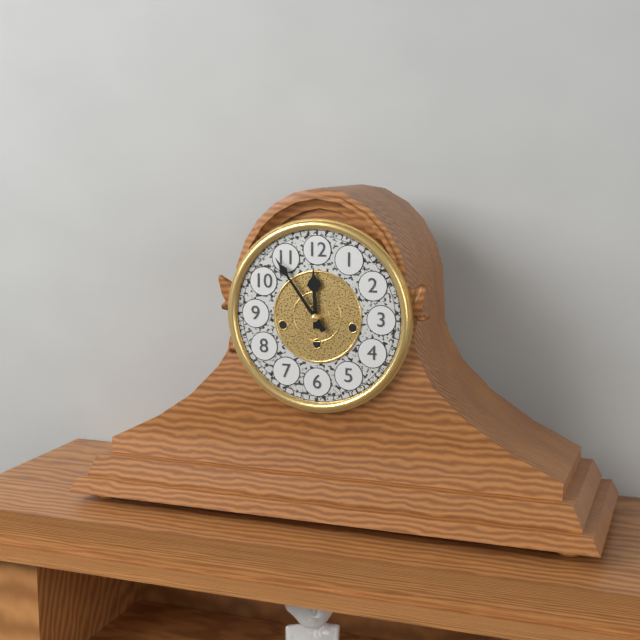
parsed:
11,54
